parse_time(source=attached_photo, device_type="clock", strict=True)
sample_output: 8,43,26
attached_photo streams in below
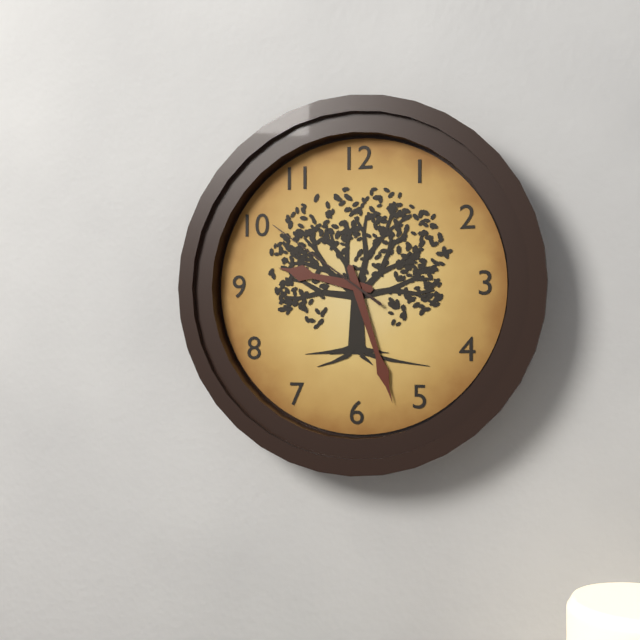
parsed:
9,27,51
